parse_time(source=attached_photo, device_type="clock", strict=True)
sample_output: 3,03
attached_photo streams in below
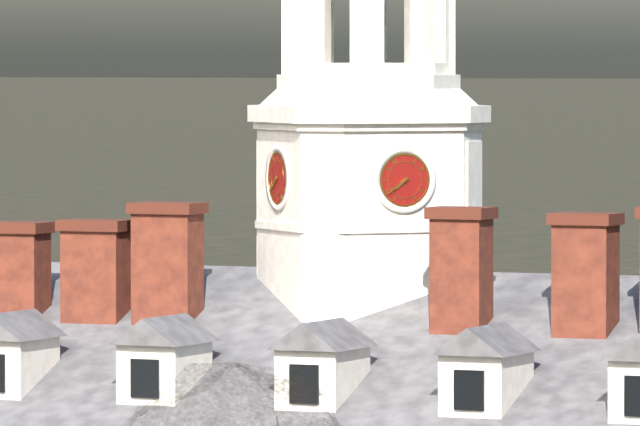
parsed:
7,39
